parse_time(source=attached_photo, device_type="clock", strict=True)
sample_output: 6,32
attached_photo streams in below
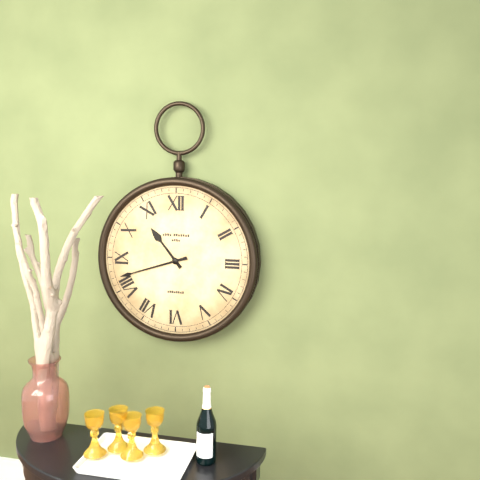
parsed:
10,42
